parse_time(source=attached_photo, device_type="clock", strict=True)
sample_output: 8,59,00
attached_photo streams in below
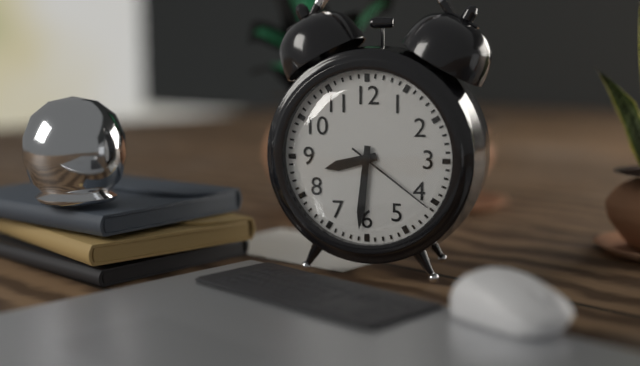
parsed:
8,31,21
